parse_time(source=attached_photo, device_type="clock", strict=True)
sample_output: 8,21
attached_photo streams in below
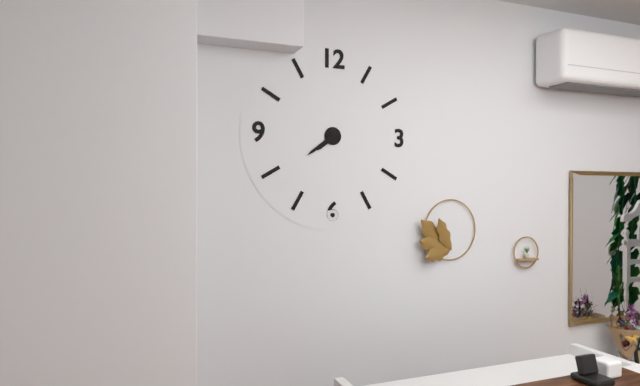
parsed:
7,39
